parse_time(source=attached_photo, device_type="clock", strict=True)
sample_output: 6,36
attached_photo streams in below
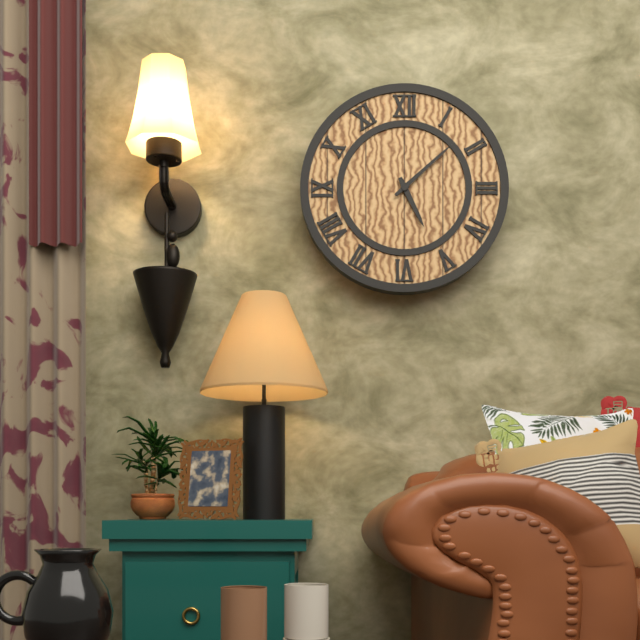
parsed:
5,08
